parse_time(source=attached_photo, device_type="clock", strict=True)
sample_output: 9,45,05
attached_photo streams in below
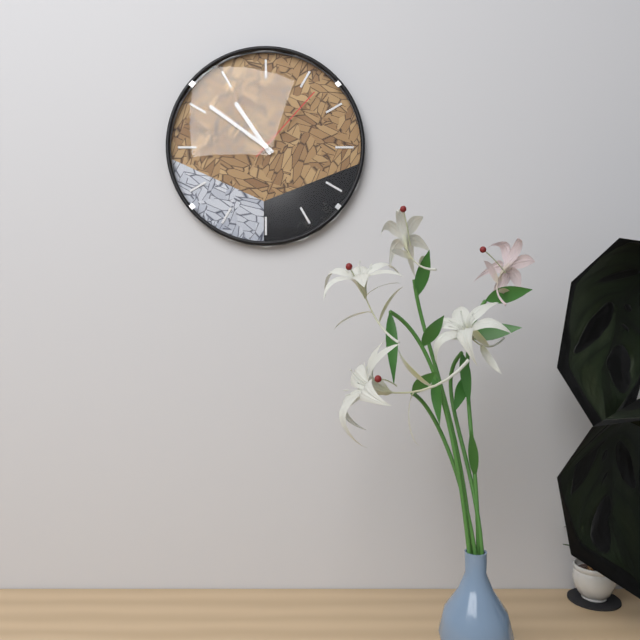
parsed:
10,51,07
